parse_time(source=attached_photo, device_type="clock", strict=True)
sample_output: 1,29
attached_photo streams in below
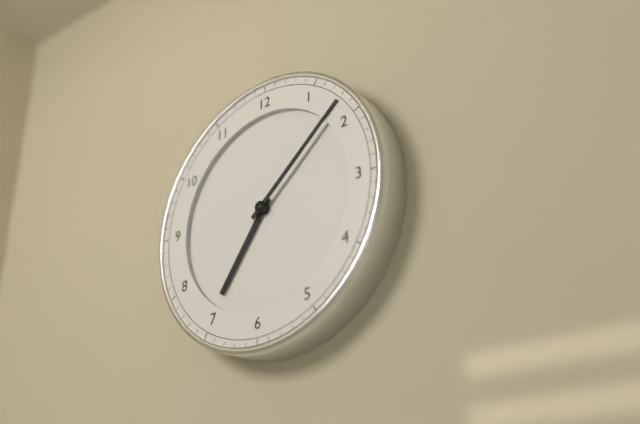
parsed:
7,08
